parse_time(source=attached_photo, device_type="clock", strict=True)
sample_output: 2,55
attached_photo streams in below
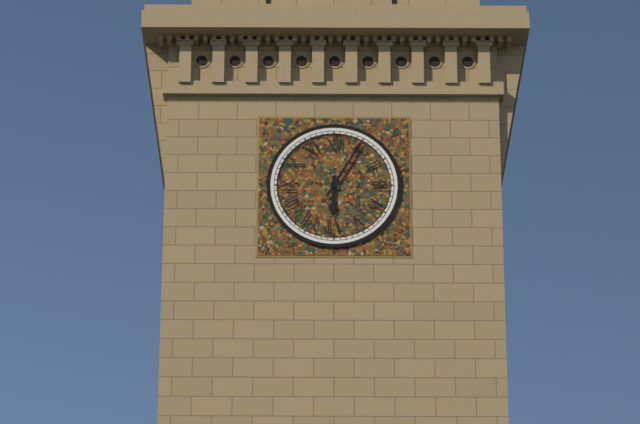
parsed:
6,05
